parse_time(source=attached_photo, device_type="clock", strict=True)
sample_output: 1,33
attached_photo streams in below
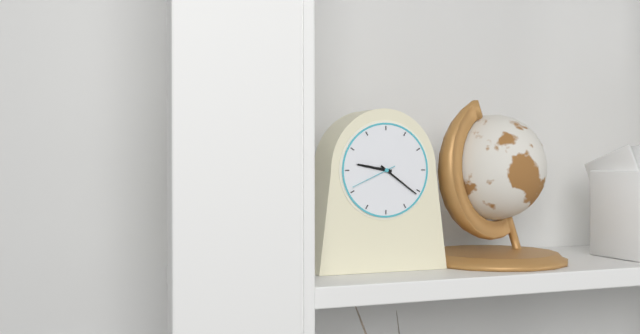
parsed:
9,21
